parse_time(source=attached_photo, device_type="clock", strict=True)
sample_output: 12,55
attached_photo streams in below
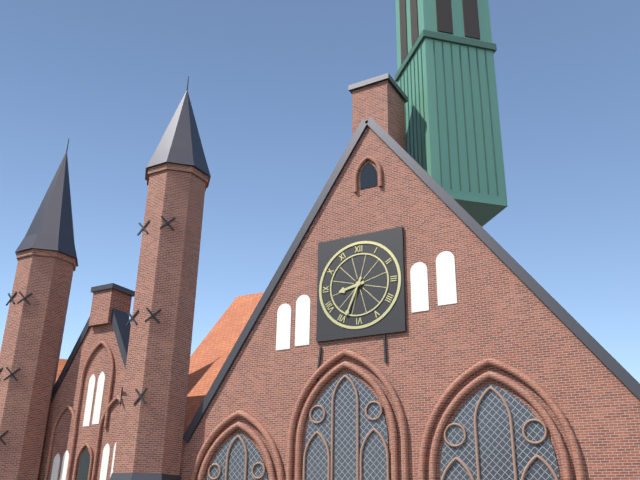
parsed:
8,34
